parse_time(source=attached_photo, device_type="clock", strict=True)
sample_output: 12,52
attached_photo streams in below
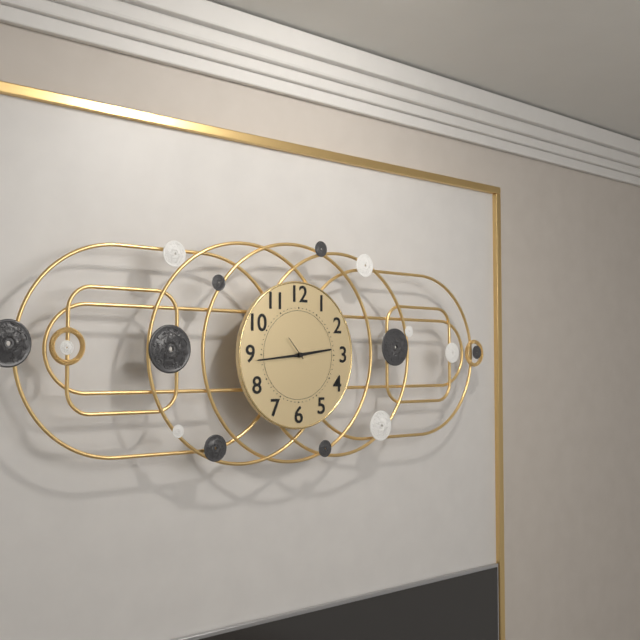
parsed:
2,44
